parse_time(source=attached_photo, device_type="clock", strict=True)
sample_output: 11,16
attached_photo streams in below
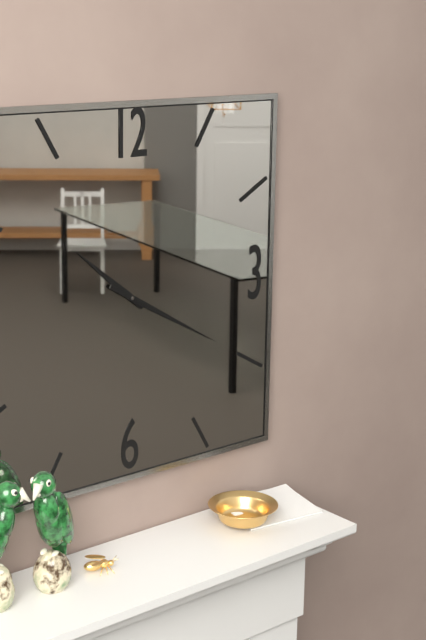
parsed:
10,20
